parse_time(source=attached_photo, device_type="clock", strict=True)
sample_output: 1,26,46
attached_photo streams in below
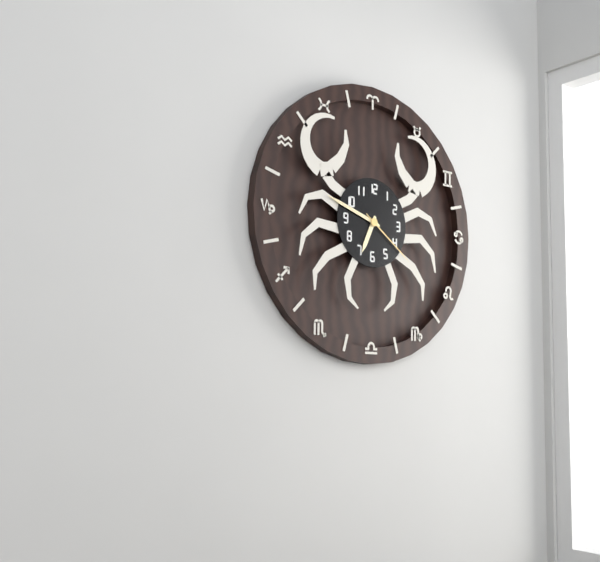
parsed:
6,48,21
